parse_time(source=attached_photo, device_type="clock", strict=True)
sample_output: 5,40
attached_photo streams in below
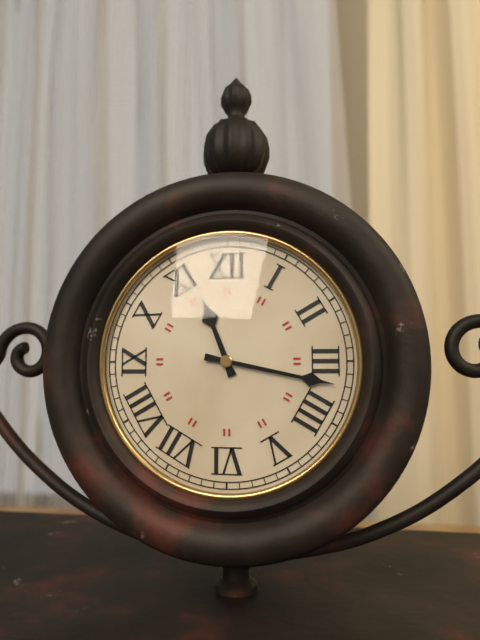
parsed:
11,17
